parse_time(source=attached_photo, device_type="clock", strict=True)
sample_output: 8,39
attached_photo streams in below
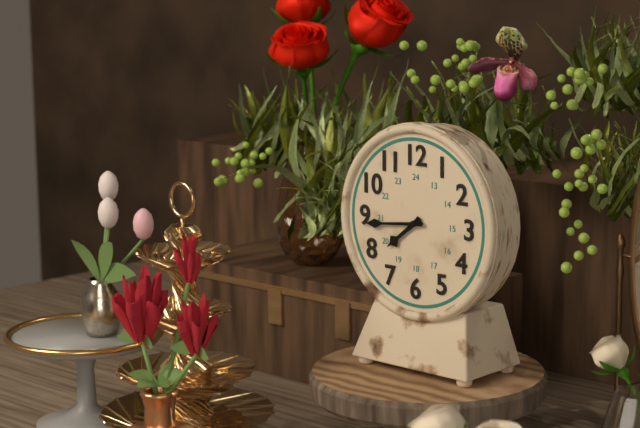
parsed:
7,44
